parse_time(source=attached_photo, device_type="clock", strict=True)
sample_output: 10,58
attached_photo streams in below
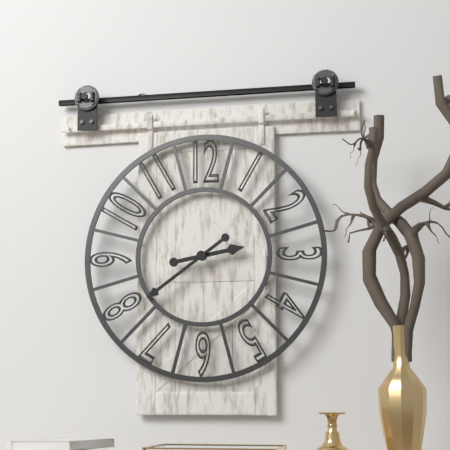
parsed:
2,39
